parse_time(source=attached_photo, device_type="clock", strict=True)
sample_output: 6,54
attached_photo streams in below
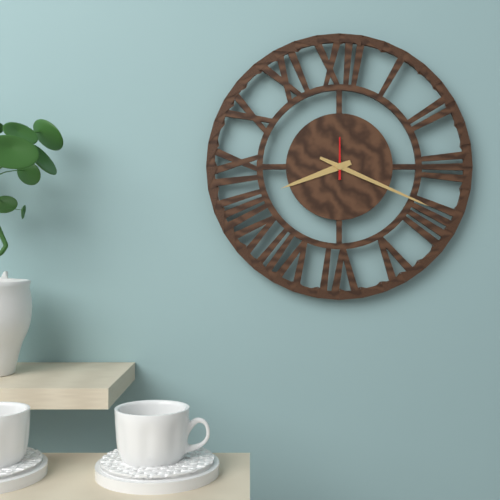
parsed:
8,19
